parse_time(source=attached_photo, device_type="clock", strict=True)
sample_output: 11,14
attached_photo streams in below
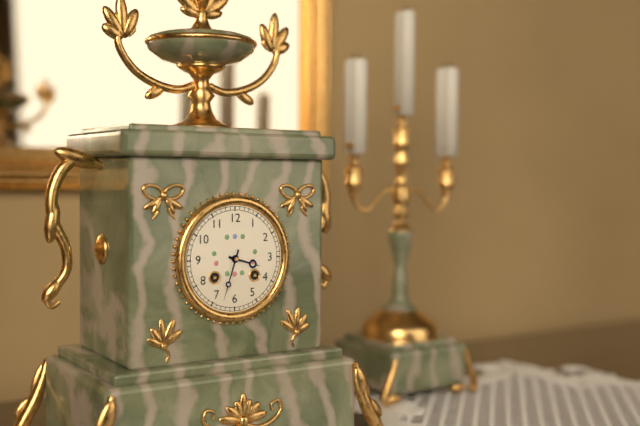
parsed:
3,33
